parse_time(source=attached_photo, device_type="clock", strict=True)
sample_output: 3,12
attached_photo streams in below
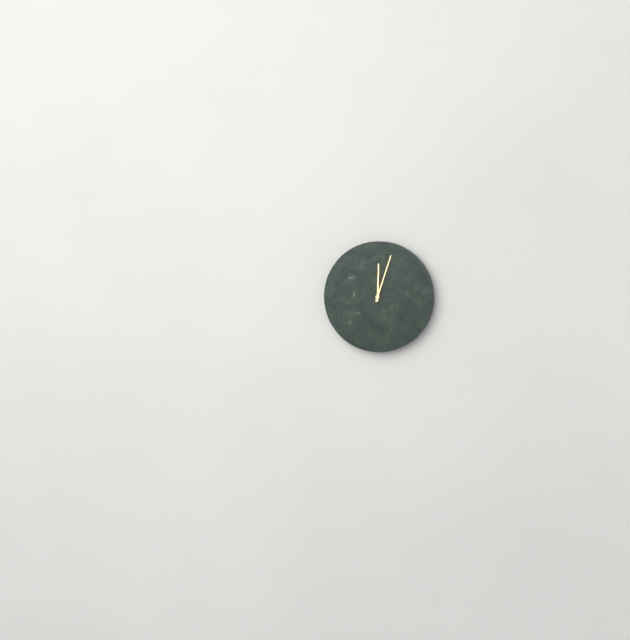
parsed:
12,03
